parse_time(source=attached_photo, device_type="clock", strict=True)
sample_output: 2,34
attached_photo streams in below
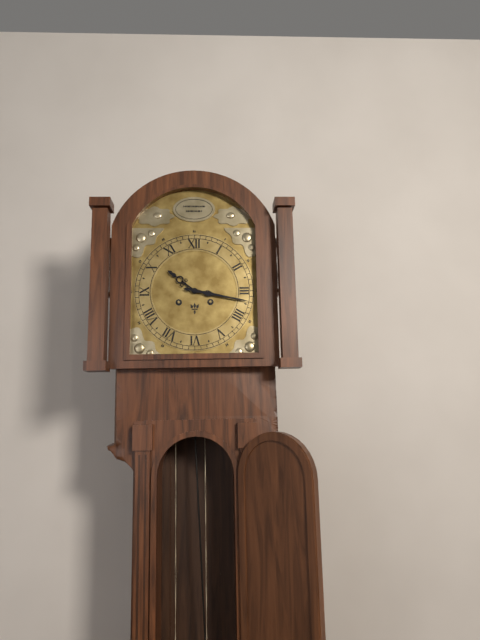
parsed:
10,17
